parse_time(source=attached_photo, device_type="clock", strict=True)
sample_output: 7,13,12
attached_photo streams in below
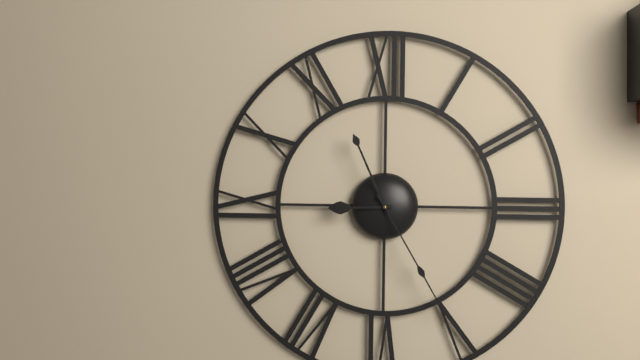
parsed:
8,56,25
